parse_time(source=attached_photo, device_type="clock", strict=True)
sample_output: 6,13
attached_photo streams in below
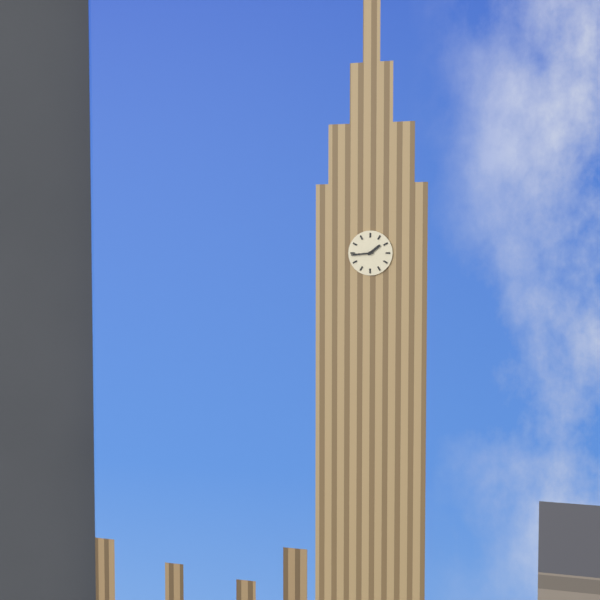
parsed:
1,44
